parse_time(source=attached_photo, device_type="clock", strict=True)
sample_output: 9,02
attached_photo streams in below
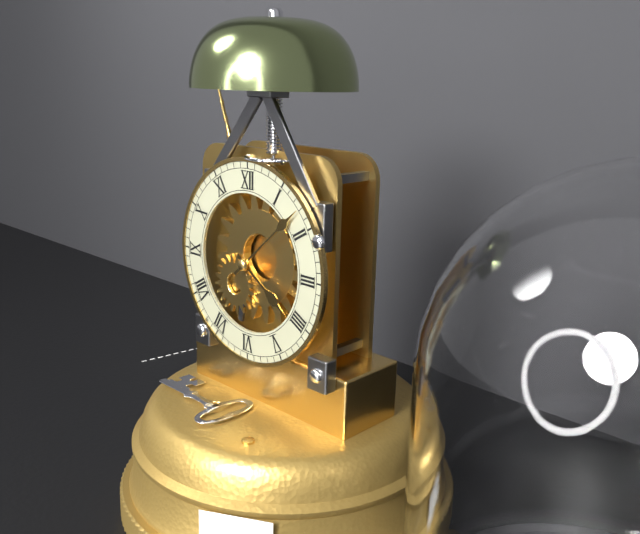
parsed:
4,08
